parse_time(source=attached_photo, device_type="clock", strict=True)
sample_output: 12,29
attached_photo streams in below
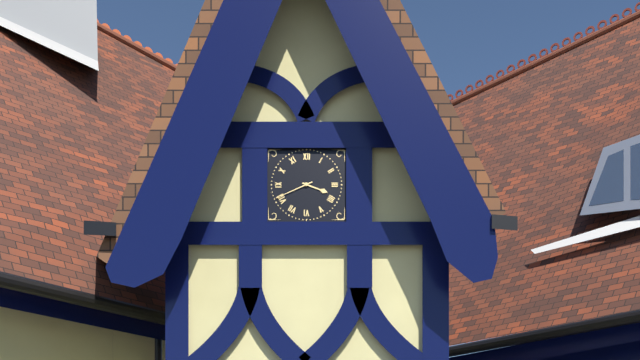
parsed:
3,41
